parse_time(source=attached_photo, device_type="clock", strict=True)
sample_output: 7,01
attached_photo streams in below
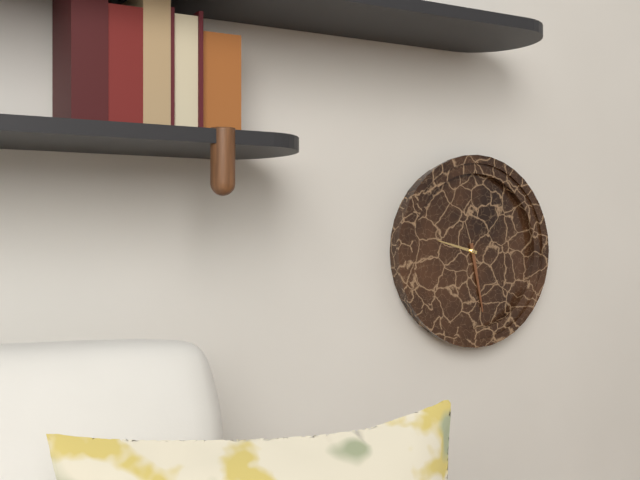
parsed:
9,28
